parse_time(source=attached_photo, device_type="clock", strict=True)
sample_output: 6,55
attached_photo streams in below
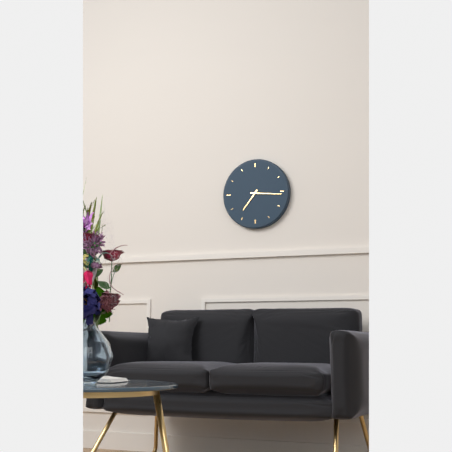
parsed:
7,16
